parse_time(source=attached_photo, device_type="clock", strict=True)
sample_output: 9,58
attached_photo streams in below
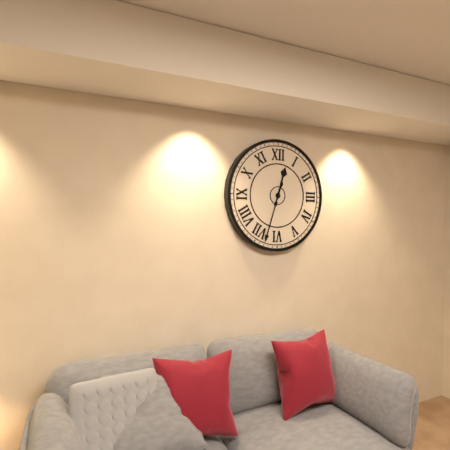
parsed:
12,33
